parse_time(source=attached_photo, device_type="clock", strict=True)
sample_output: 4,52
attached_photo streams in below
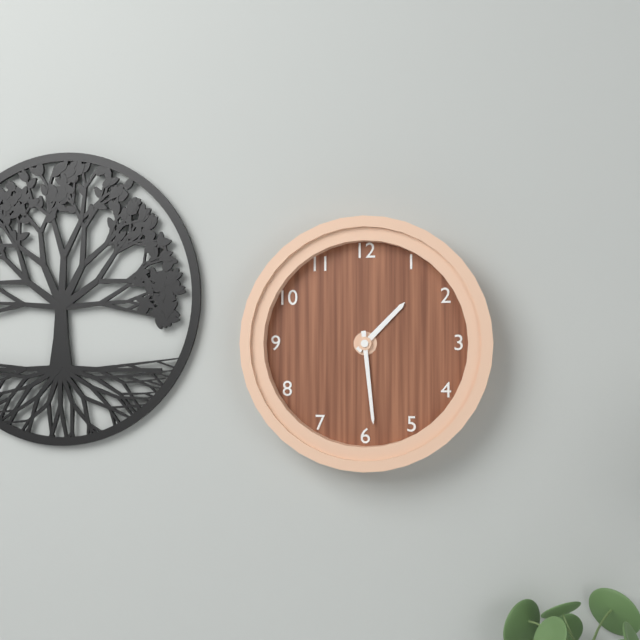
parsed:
1,29
